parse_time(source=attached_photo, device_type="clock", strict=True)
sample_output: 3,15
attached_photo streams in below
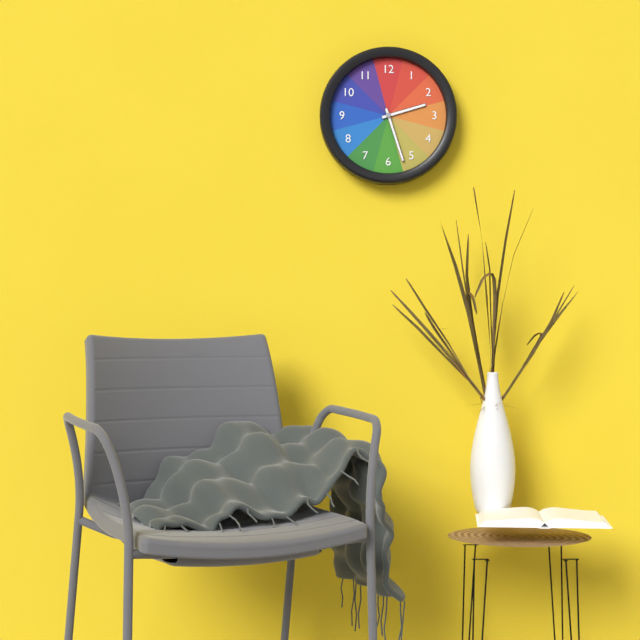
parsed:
2,27
